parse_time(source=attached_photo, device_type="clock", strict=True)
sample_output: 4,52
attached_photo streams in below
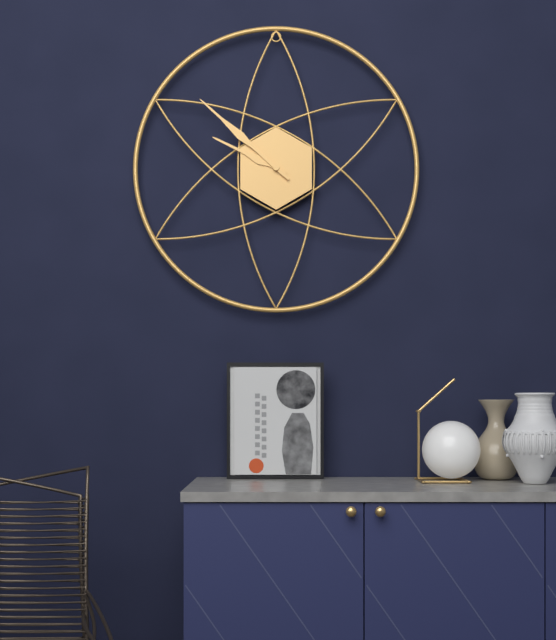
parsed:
9,52
